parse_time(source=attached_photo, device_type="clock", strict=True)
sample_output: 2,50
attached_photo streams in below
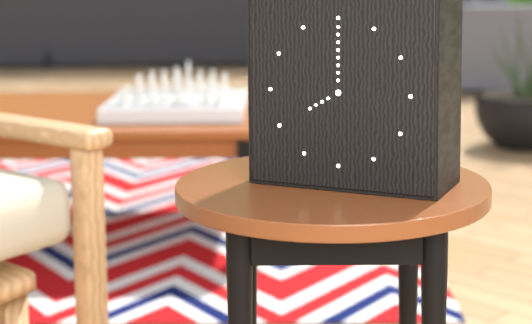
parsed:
8,00
